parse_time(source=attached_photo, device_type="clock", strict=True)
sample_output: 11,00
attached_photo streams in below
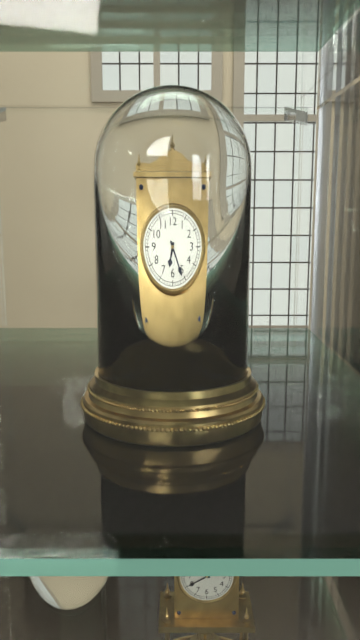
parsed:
6,26
